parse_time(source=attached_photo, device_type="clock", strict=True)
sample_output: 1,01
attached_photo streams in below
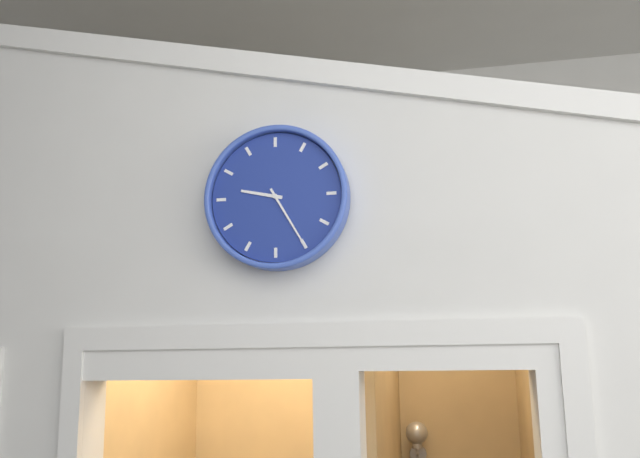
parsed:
9,25
